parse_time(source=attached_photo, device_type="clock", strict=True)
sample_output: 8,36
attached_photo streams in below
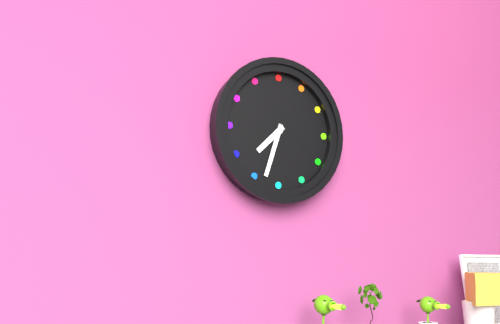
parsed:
7,33
